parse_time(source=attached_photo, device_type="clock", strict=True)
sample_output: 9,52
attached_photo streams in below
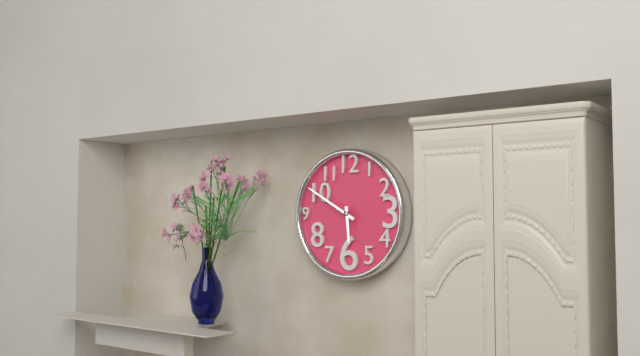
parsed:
5,50
